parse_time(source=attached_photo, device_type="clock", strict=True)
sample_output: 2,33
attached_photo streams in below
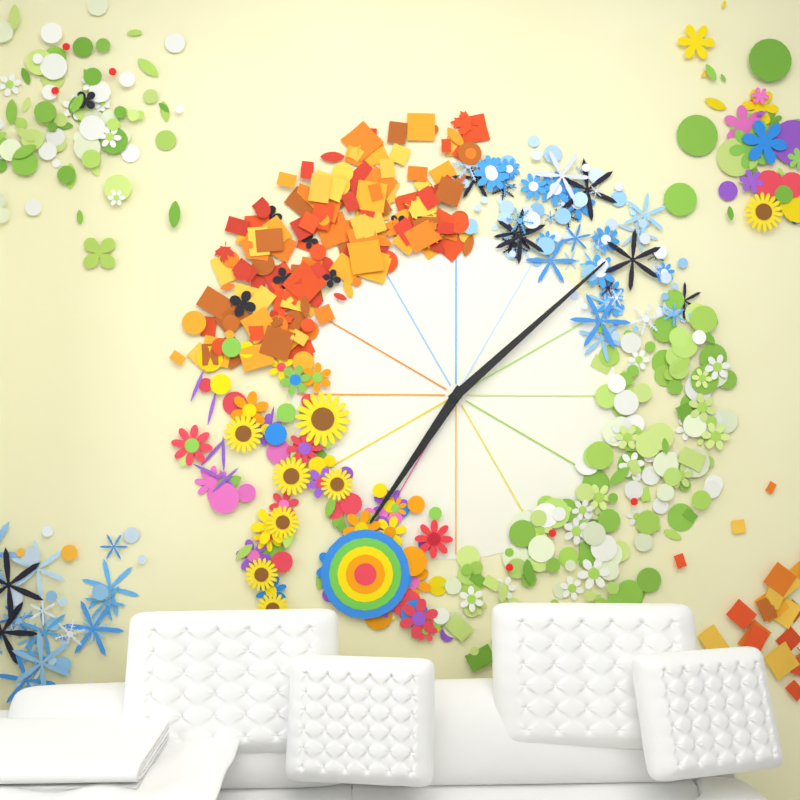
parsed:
7,08
